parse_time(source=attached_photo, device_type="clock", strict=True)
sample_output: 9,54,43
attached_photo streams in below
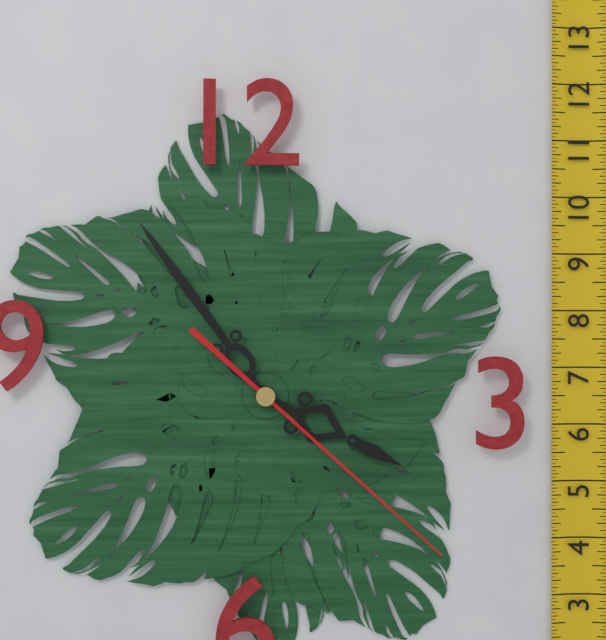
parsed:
3,54,22
